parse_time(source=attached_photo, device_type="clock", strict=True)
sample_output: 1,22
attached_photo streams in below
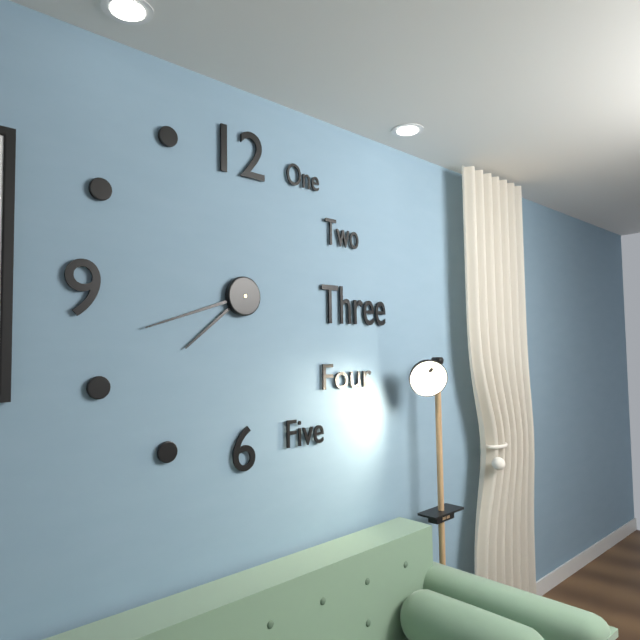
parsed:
7,42
